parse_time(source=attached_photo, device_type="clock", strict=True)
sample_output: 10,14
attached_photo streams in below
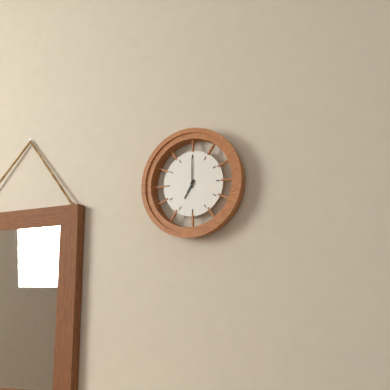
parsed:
7,00
